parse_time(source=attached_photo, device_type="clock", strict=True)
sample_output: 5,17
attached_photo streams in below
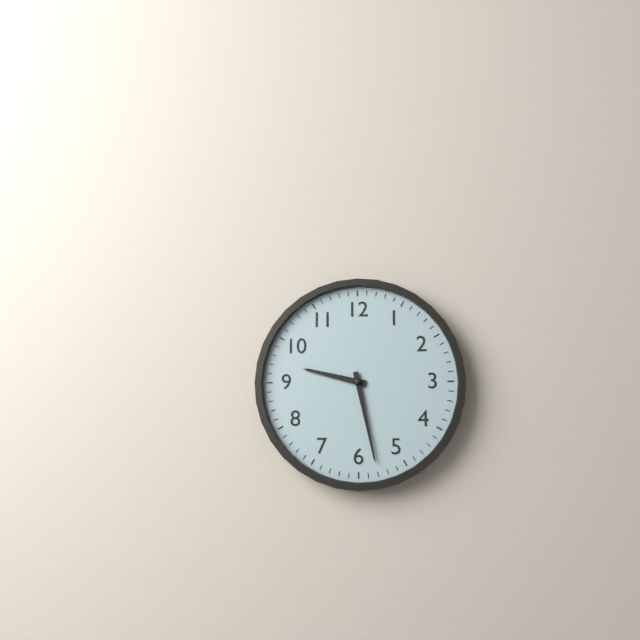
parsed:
9,28
